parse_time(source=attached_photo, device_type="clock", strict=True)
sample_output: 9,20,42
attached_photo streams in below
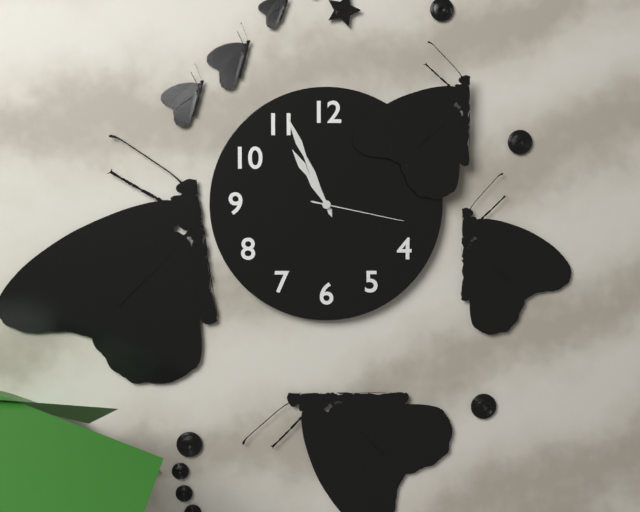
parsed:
10,56,17
